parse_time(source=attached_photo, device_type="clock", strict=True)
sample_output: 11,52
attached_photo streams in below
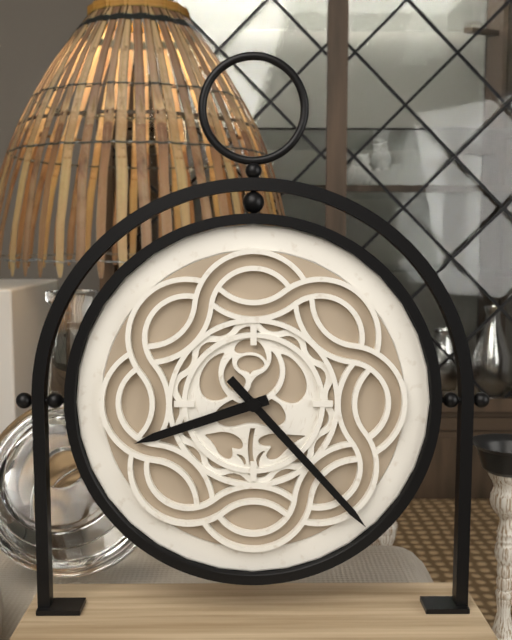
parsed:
8,23
